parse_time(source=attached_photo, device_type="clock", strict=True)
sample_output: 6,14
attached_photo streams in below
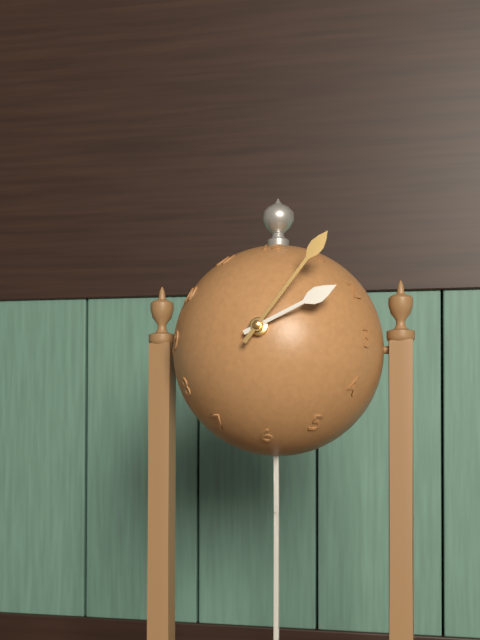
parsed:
2,06
